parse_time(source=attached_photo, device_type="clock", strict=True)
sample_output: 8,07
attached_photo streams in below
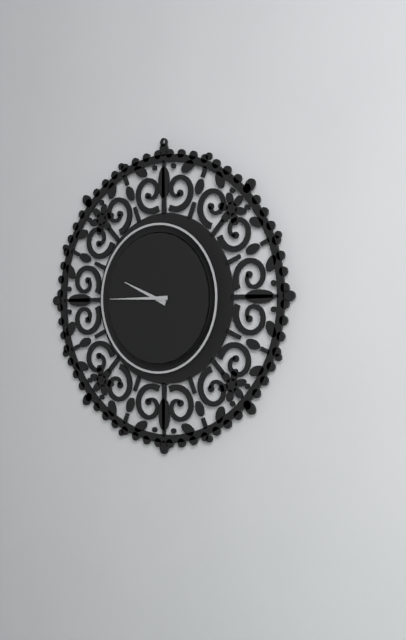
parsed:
9,45
